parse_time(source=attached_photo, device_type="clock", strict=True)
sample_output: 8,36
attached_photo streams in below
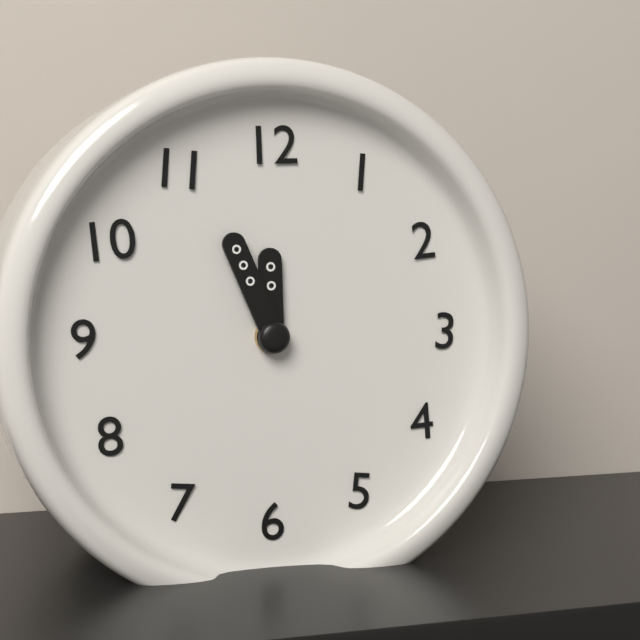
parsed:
11,56
